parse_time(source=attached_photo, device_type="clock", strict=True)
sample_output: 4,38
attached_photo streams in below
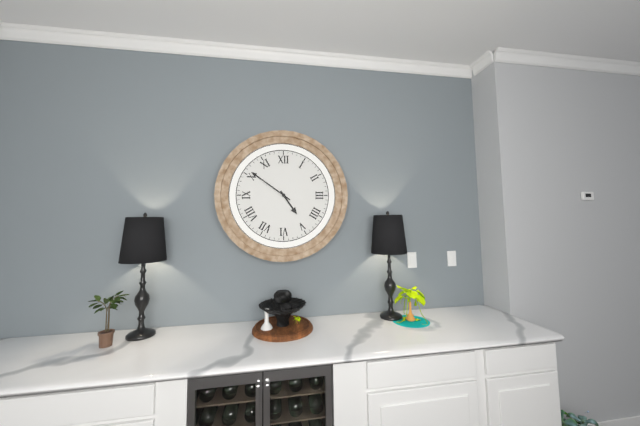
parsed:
4,51
